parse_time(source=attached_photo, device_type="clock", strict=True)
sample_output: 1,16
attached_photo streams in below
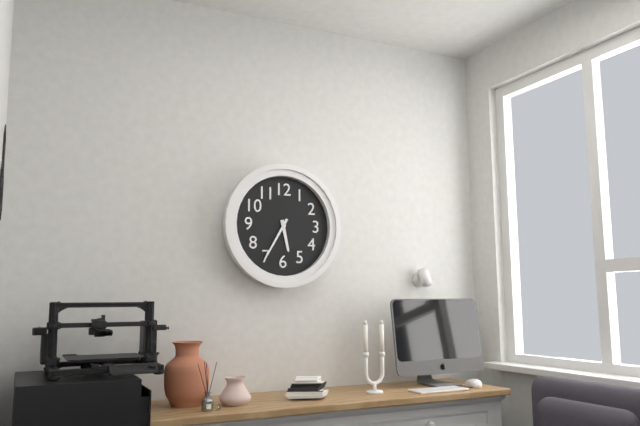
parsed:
5,35
